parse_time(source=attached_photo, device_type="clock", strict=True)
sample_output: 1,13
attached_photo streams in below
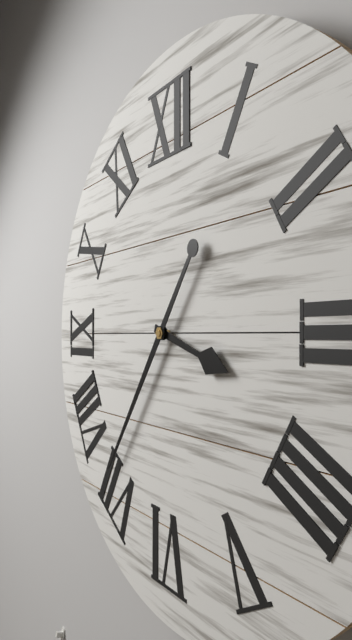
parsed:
3,36
